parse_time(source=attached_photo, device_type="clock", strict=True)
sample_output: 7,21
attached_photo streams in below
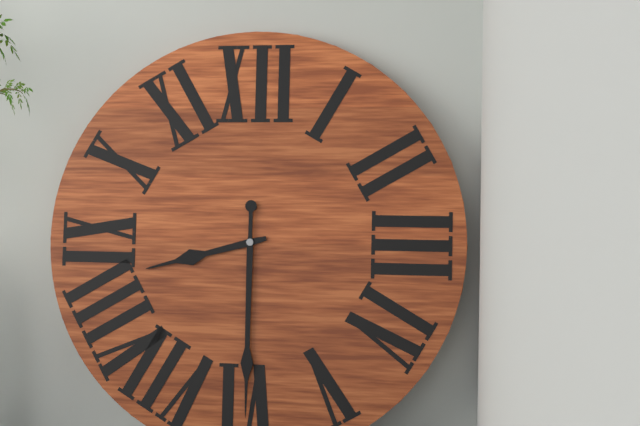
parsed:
8,30
